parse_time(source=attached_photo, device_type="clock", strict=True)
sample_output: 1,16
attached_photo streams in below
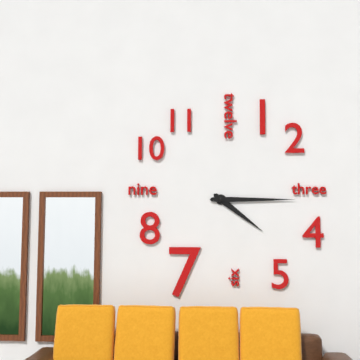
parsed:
4,15
